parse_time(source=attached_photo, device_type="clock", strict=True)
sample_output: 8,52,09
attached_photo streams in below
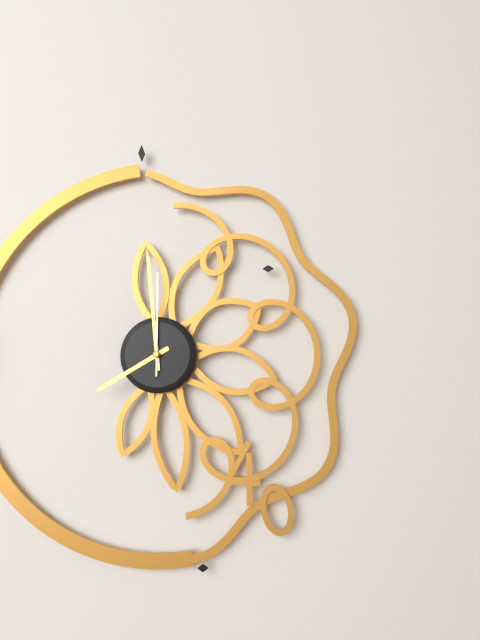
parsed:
7,59,00
